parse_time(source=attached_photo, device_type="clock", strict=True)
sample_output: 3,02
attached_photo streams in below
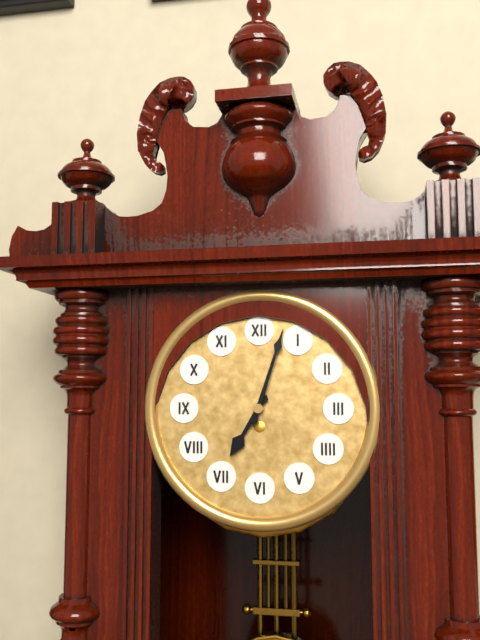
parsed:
7,03
